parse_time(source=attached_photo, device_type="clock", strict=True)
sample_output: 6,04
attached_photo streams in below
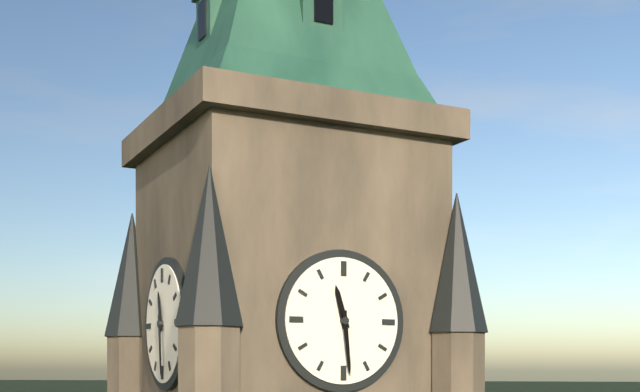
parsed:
11,29
